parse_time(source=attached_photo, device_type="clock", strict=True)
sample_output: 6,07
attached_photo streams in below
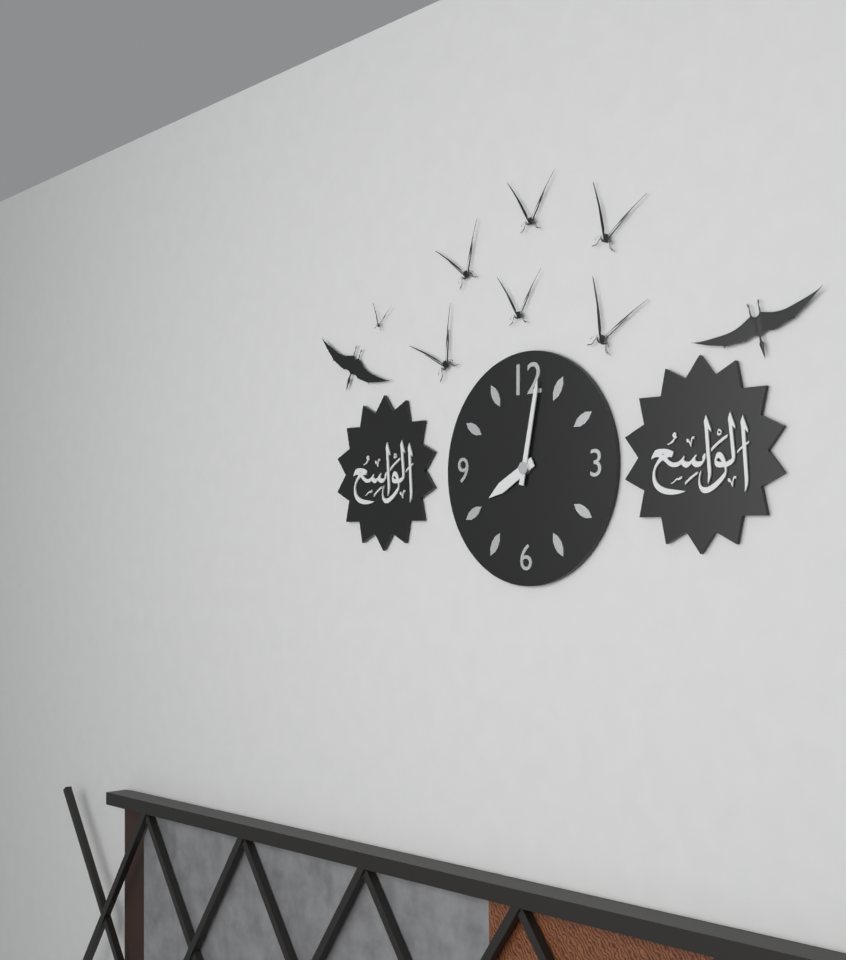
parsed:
8,02
